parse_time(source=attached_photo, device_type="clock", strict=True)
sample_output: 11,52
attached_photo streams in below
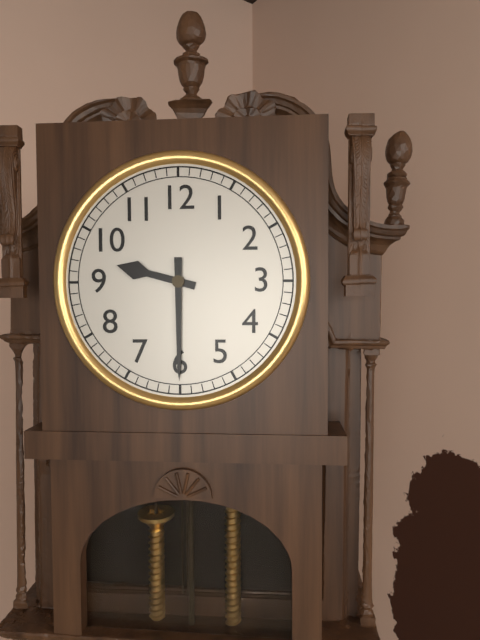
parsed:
9,30
